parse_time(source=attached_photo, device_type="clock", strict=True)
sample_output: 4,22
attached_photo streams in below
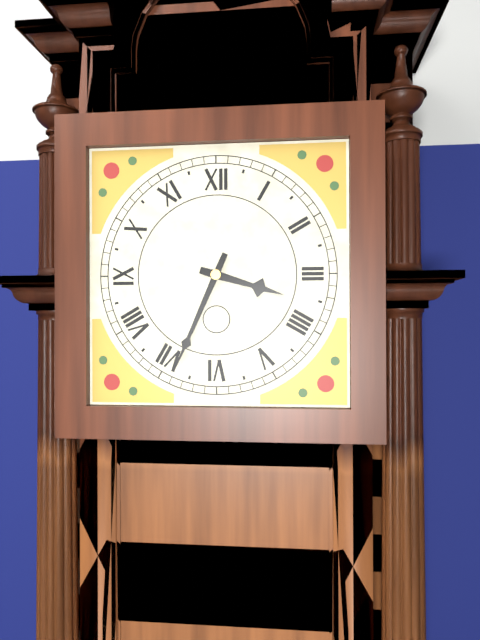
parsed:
3,34
